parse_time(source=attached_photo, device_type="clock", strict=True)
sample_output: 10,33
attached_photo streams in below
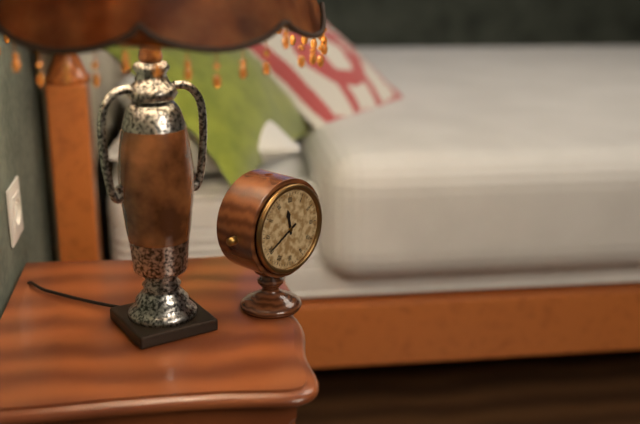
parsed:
11,40
